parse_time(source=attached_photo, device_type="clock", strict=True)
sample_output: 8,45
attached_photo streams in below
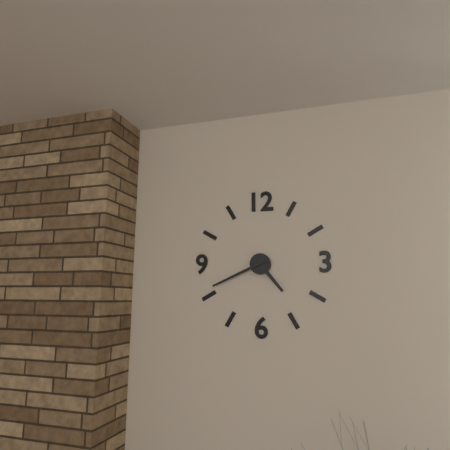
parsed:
4,41
